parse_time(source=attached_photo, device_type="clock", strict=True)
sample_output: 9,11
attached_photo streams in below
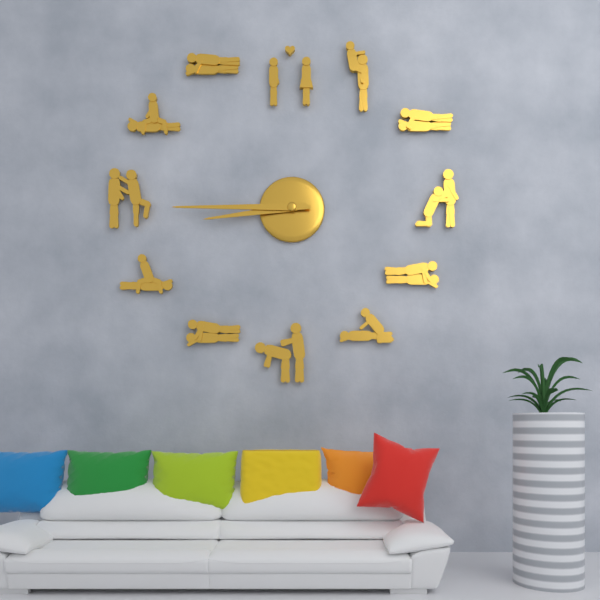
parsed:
8,45
